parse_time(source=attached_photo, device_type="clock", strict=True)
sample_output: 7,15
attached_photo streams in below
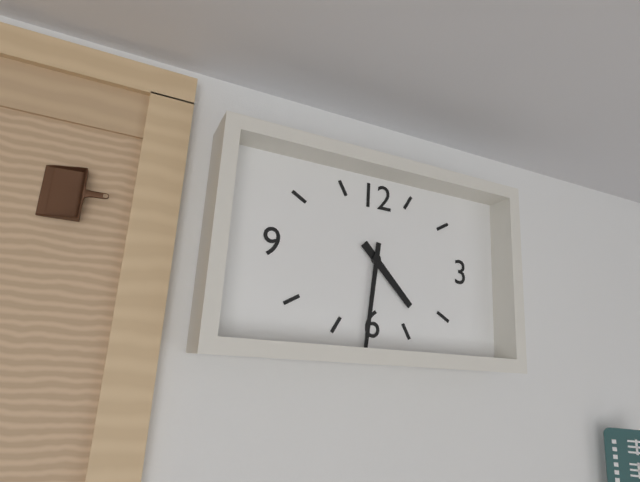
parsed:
4,31
